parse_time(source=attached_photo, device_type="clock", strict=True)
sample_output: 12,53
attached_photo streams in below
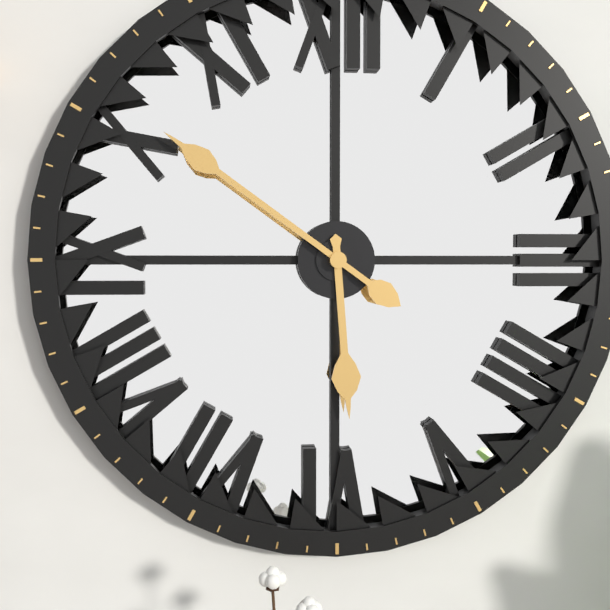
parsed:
5,51
